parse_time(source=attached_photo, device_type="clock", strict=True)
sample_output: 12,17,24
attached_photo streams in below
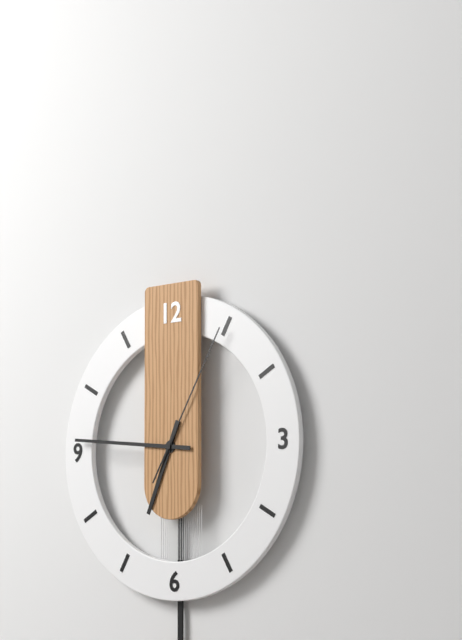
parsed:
6,46,05
